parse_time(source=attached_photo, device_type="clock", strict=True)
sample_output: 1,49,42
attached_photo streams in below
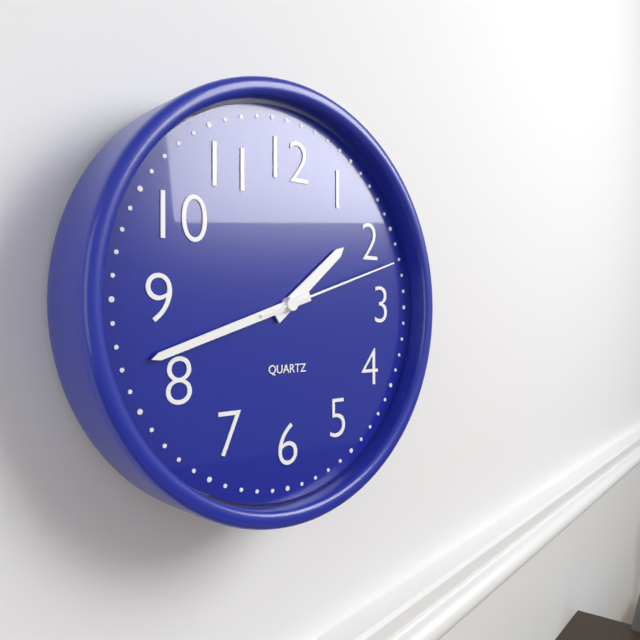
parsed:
1,42,12
